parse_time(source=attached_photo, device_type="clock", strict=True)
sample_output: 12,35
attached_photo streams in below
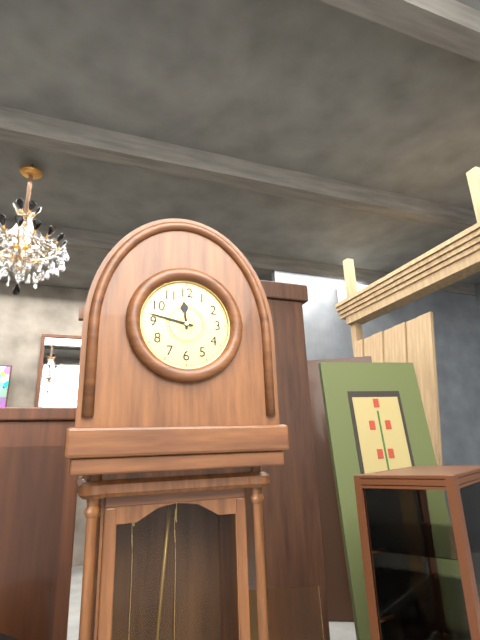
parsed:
11,47
